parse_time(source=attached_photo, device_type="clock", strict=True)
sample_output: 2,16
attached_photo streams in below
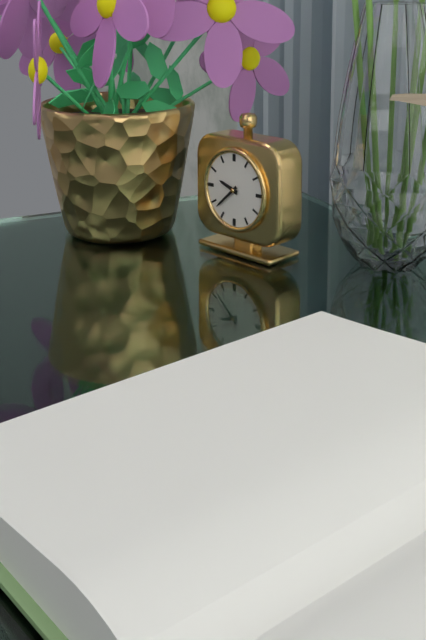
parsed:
9,38
